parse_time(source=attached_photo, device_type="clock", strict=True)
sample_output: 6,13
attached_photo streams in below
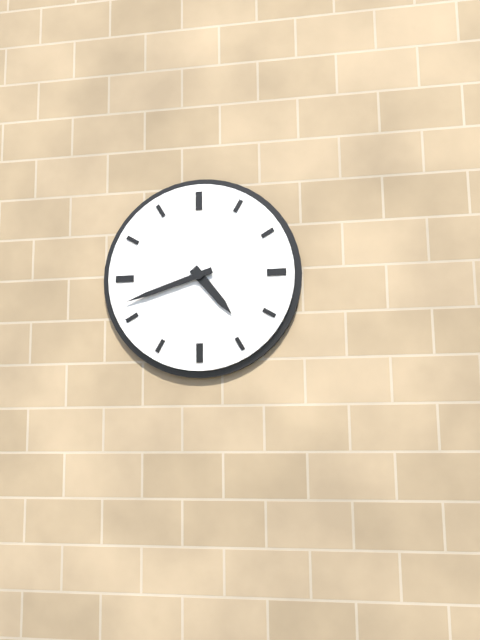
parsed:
4,42
